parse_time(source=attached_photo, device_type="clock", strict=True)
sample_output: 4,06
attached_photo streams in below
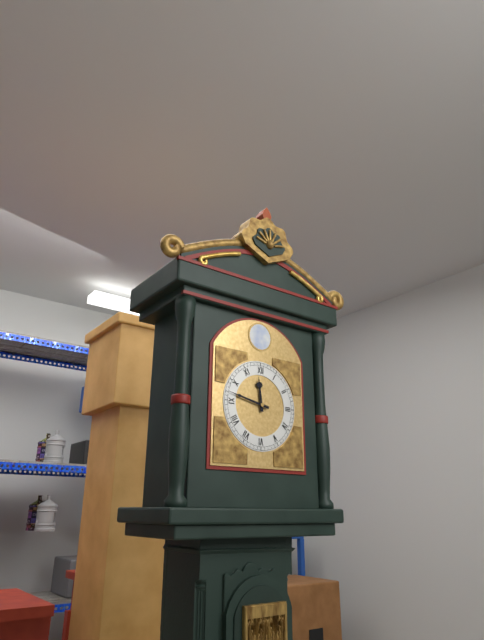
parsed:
11,47
